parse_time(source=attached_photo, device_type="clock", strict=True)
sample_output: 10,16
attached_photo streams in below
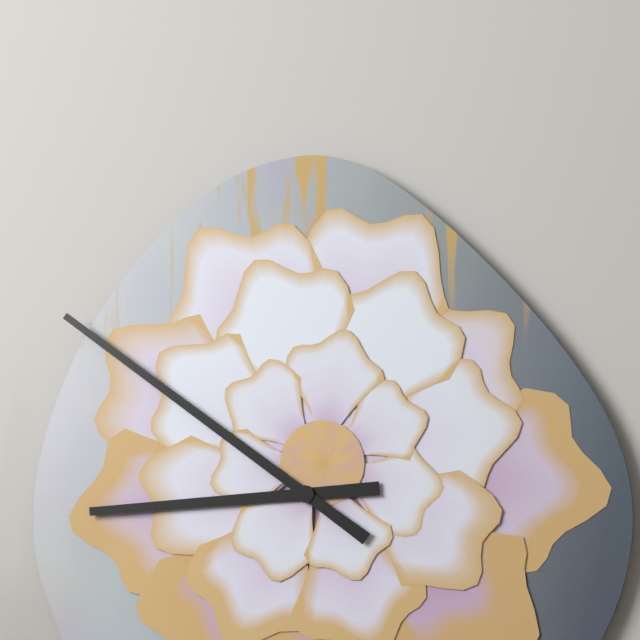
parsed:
8,51
